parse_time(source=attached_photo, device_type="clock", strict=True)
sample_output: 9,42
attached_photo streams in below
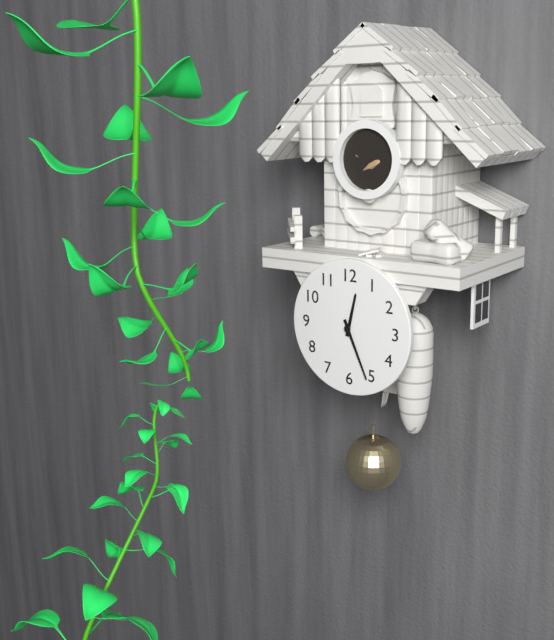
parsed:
12,26
